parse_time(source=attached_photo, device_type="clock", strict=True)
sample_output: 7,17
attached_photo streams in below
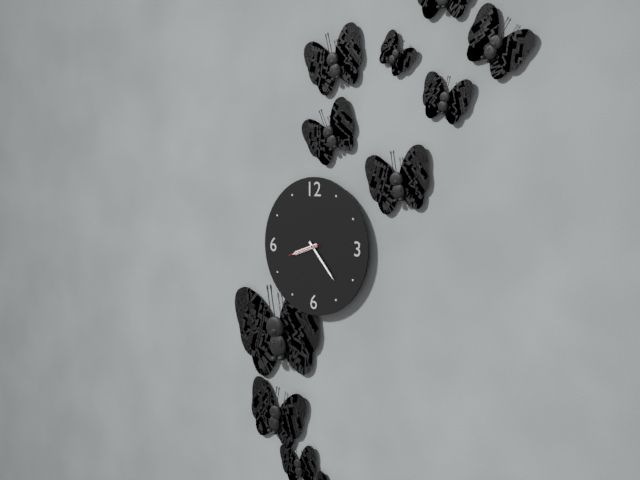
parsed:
8,23
